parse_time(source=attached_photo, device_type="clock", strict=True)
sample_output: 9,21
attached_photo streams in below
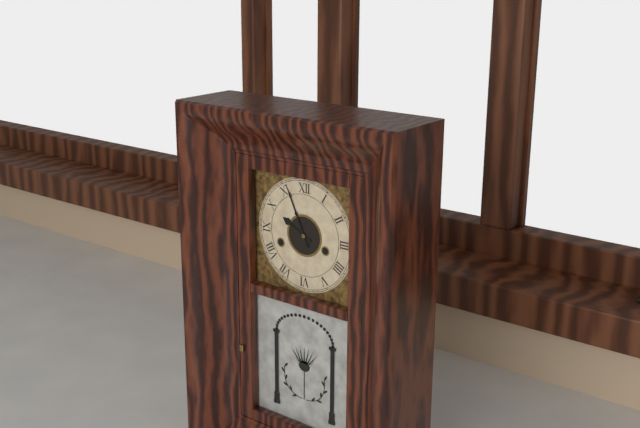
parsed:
9,56
